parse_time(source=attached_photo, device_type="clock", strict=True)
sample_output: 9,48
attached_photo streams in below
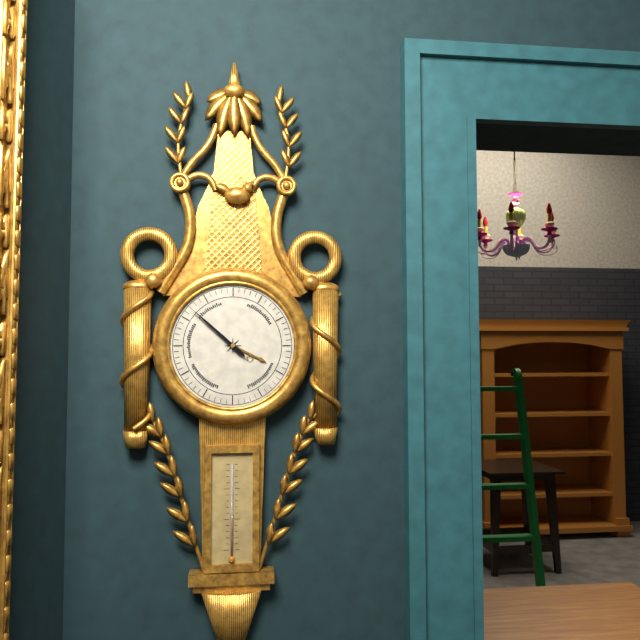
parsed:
3,52
